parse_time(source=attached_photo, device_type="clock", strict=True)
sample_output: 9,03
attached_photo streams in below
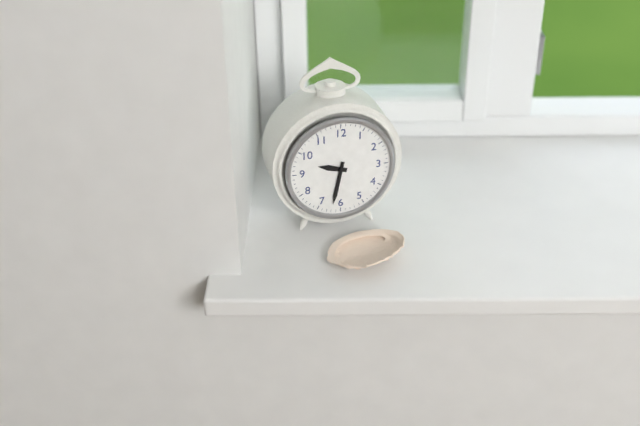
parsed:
9,32
